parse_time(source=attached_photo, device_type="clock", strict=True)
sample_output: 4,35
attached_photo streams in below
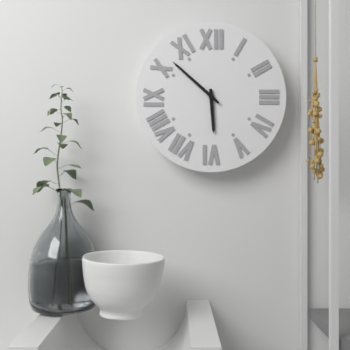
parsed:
5,52
